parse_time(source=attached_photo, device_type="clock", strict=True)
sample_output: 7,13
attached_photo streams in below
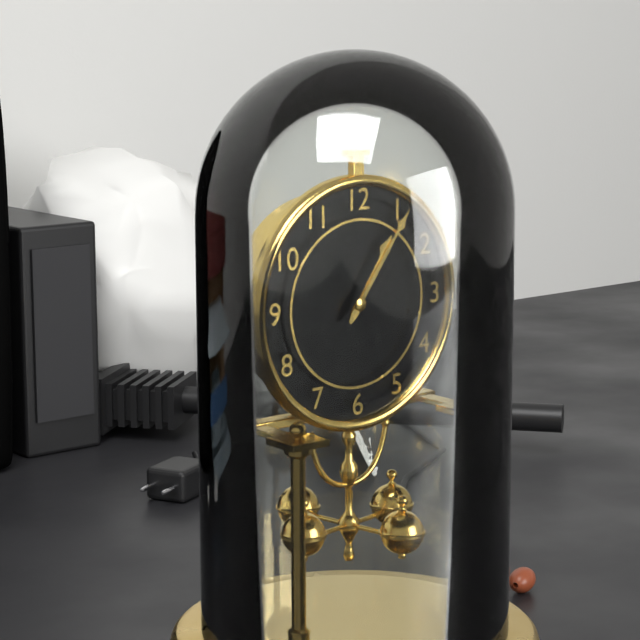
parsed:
1,06
